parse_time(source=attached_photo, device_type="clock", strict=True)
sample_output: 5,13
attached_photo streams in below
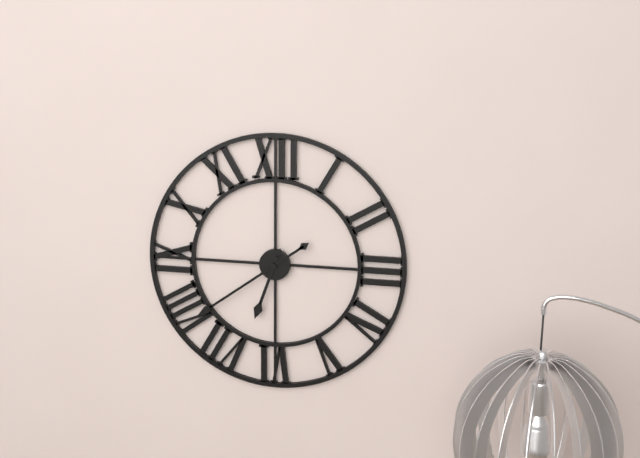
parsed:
6,39
